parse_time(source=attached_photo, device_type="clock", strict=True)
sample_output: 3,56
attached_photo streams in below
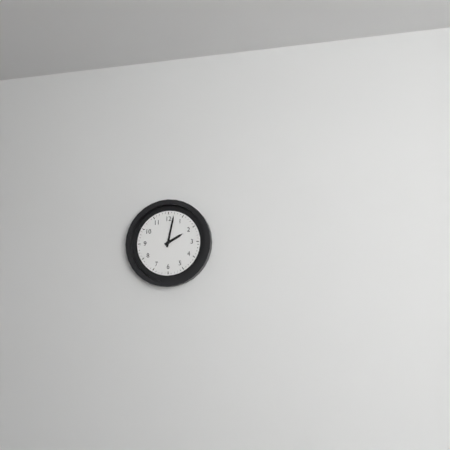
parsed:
2,02
